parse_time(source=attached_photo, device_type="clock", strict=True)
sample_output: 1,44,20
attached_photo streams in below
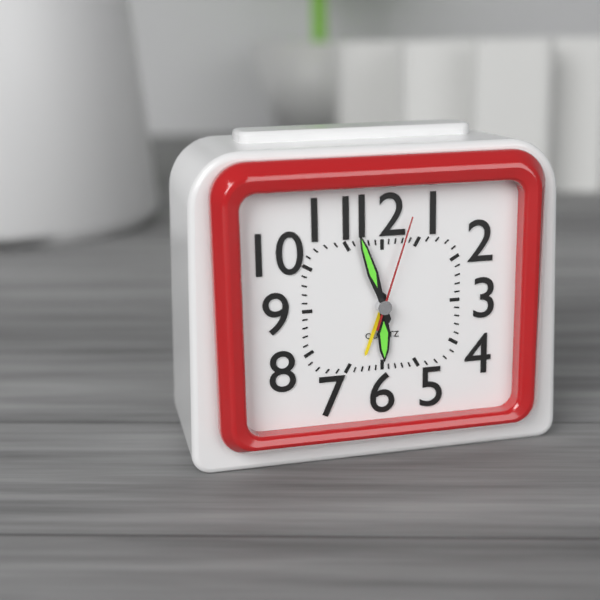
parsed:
5,57,03
